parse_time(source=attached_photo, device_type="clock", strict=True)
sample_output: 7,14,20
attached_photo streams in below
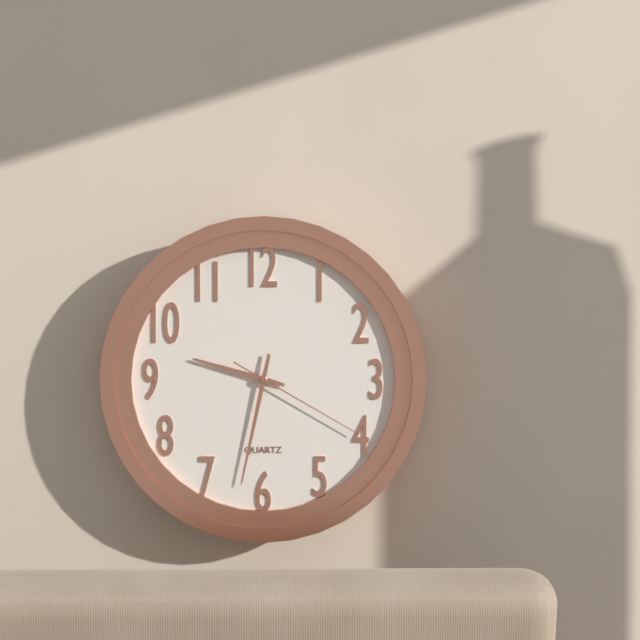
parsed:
9,32,20
